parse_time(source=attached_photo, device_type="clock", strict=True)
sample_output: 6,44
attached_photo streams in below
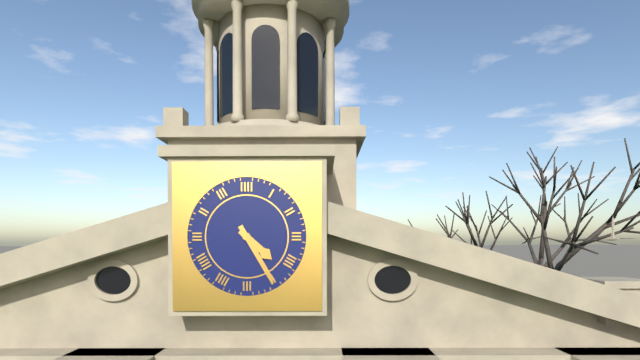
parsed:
4,25
